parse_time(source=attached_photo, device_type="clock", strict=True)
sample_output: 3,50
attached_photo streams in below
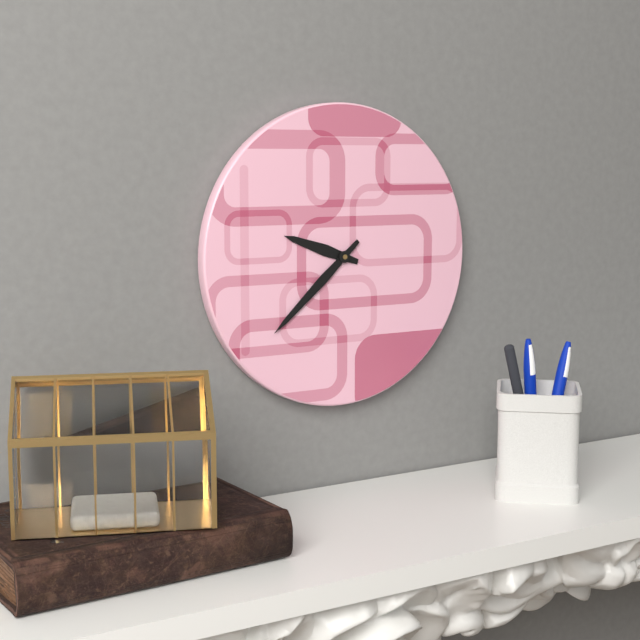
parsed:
9,38
